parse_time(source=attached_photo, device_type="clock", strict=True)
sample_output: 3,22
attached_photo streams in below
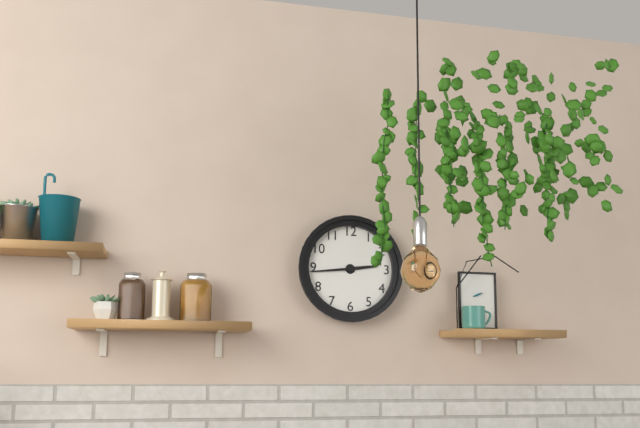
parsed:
2,44
